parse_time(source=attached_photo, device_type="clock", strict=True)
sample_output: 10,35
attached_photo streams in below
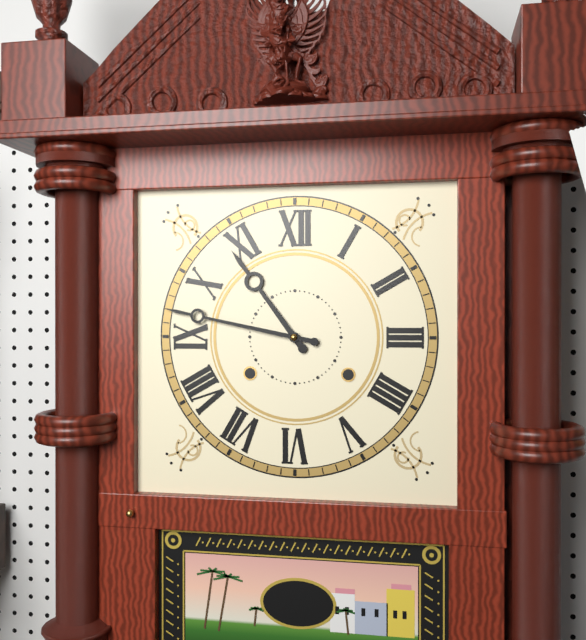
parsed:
10,47
